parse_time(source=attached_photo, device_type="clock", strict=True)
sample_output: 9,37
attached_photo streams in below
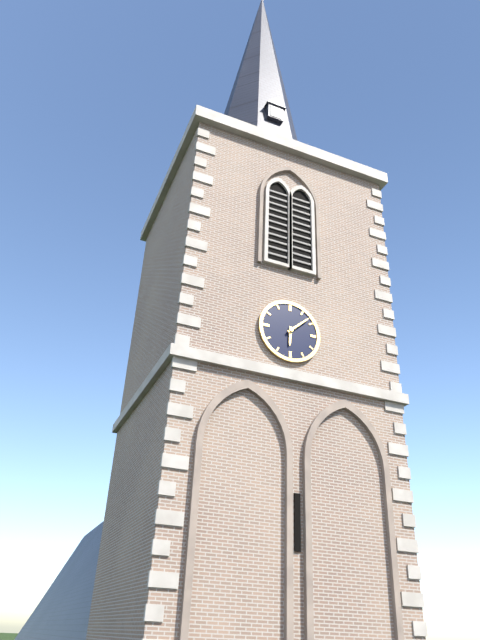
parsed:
6,08
